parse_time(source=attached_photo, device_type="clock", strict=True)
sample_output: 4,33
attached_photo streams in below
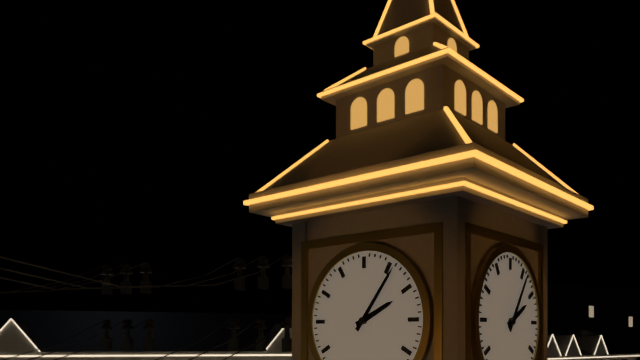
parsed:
2,06
